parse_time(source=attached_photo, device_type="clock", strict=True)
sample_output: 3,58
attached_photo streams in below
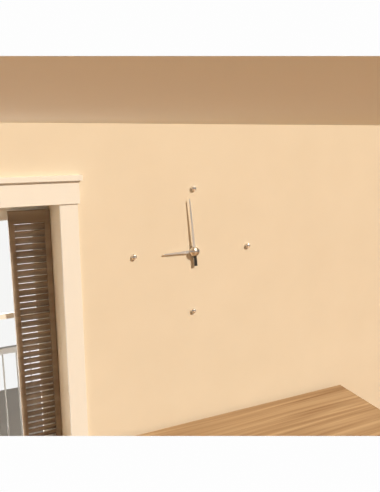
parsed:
8,59
